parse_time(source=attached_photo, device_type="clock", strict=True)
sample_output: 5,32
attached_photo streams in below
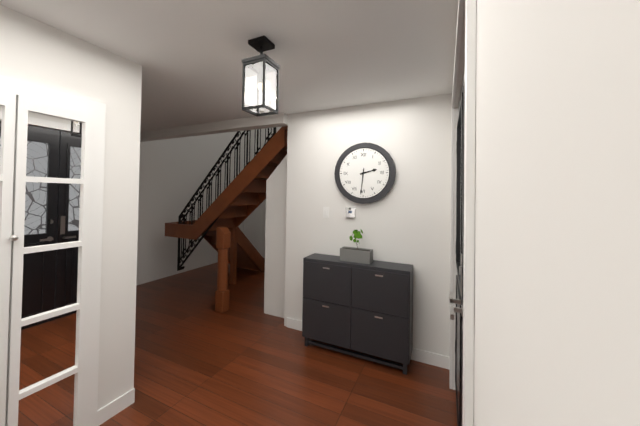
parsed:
2,31
